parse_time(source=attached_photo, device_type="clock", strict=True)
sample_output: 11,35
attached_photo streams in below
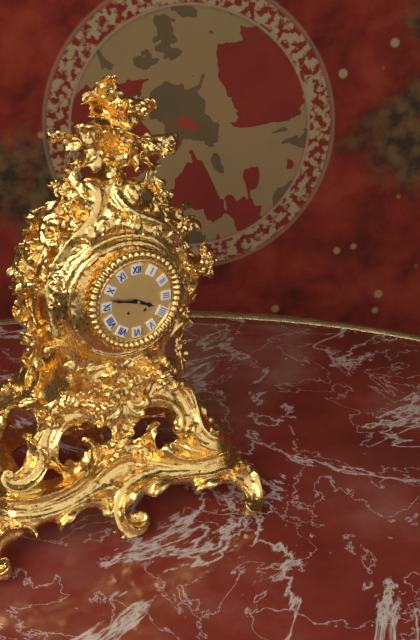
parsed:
3,47
